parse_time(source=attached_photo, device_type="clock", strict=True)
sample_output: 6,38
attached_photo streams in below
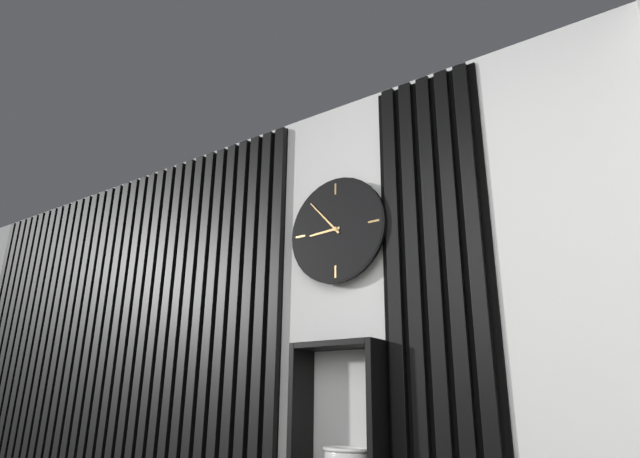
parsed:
8,53
